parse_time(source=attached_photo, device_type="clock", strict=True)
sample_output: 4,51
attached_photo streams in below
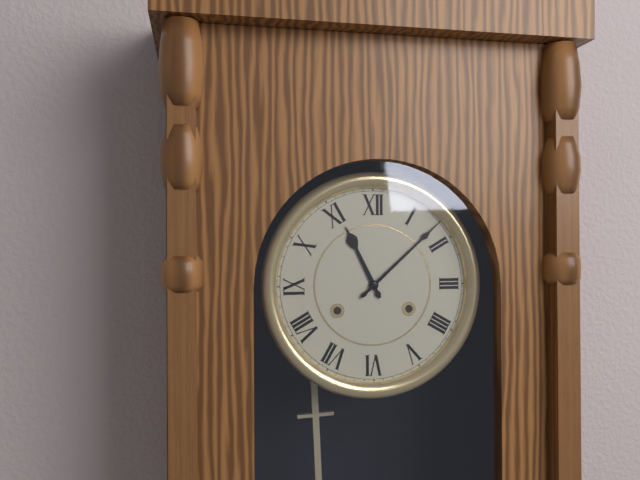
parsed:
11,08
